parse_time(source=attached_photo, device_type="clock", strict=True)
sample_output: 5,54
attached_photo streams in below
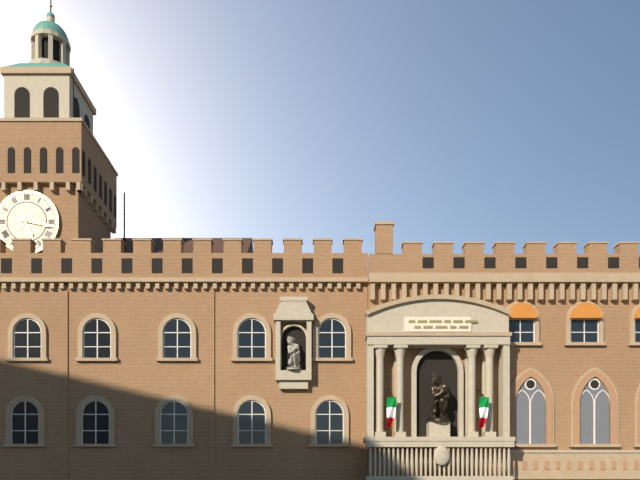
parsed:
5,17
